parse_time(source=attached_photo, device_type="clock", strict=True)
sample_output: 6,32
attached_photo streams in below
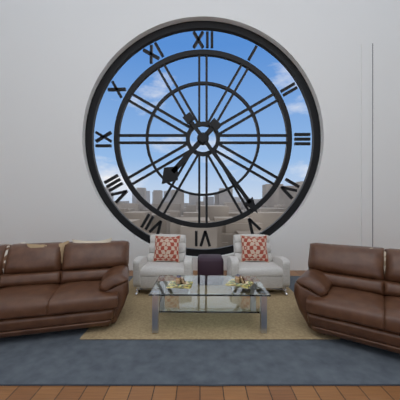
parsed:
7,24
